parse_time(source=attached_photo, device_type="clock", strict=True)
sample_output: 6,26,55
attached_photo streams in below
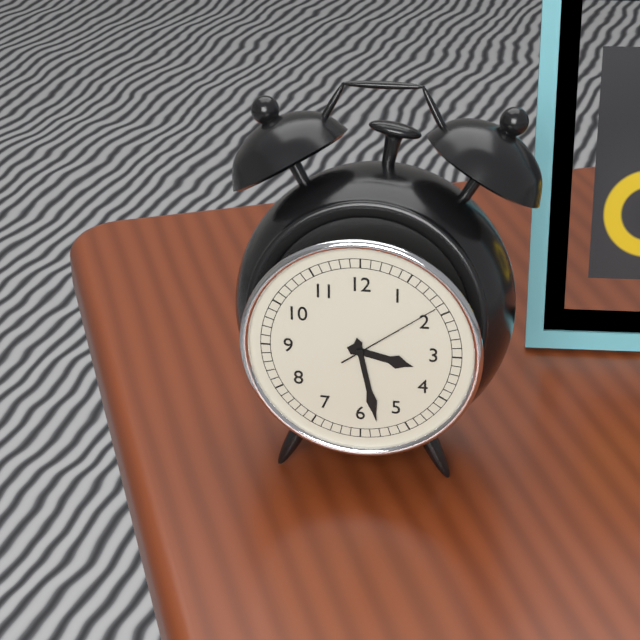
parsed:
3,28,09
